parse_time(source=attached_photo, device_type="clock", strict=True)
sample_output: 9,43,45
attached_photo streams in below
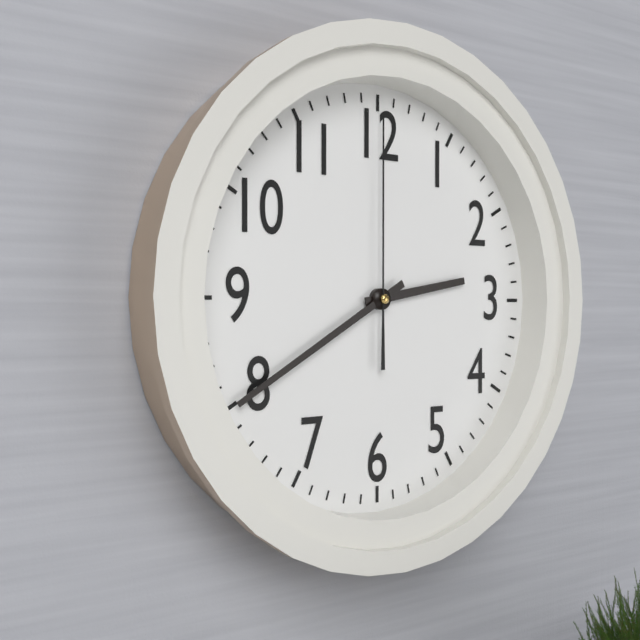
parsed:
2,40,00
